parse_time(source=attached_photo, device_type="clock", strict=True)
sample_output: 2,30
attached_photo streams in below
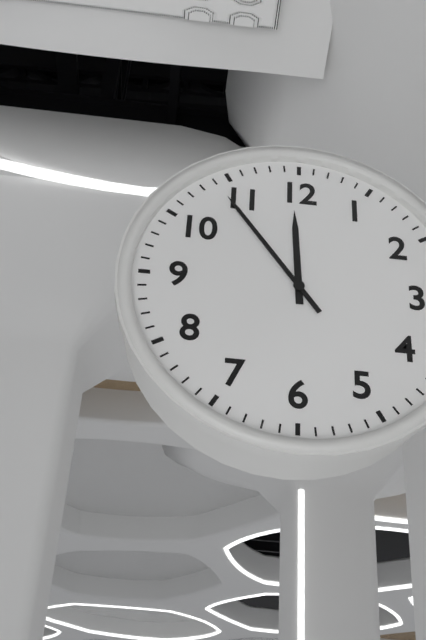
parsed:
11,54
